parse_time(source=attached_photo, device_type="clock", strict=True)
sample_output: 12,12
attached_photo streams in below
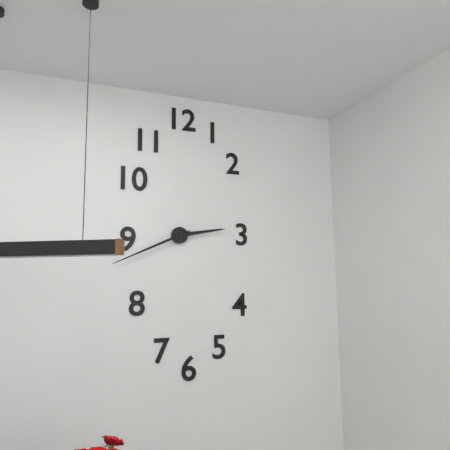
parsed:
2,41
